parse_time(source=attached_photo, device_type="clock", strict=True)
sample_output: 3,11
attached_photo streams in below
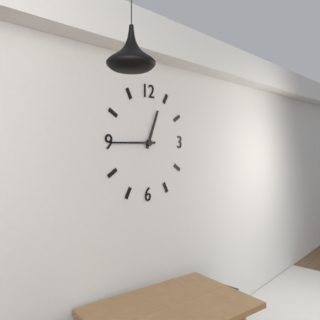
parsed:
12,45
